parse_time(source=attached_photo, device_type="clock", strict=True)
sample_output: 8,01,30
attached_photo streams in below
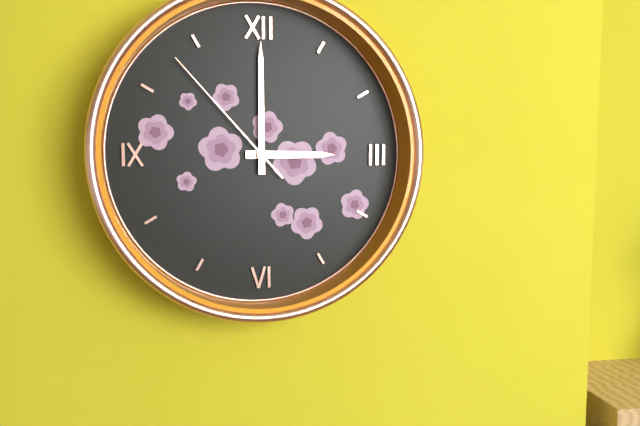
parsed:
3,00,53
